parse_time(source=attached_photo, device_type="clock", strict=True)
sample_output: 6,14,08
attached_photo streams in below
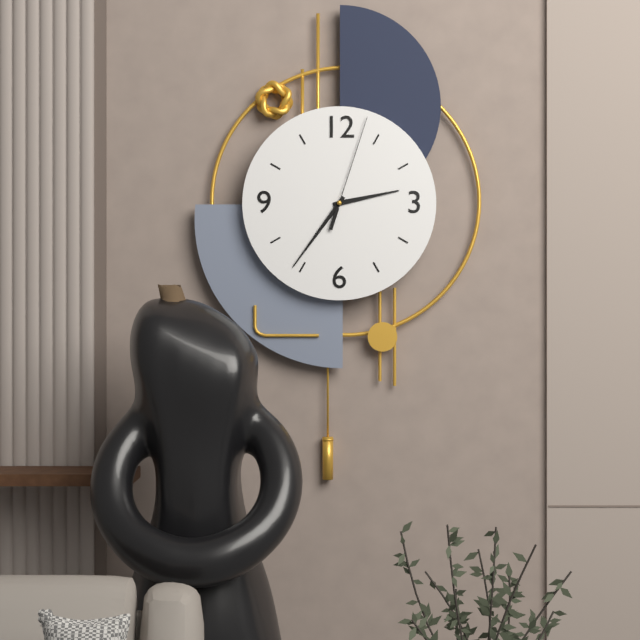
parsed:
2,36,03
